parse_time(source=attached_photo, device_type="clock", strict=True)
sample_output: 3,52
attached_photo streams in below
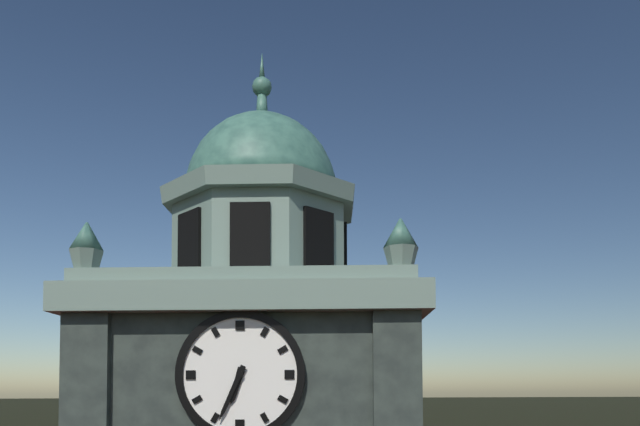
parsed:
6,34
